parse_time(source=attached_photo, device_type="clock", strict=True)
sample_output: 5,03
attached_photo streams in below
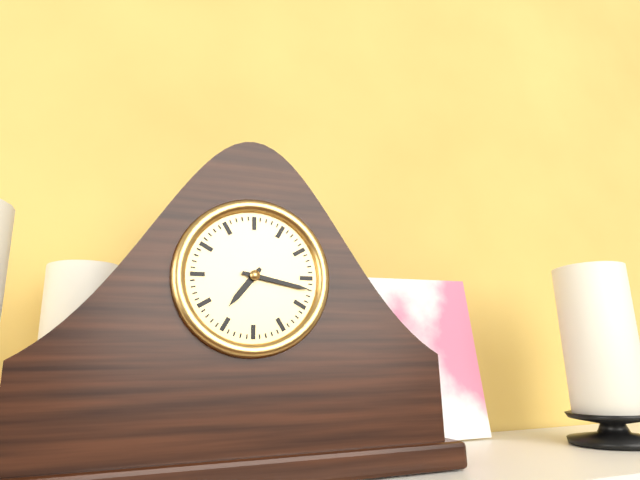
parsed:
7,17
